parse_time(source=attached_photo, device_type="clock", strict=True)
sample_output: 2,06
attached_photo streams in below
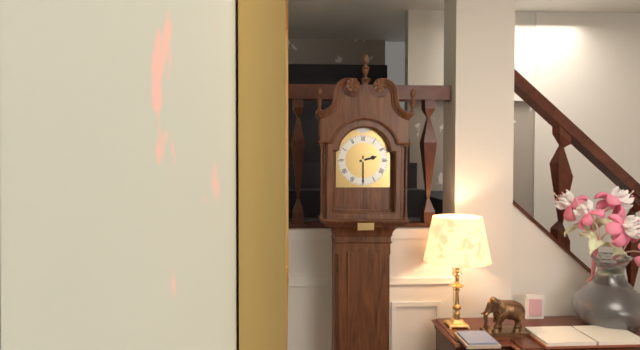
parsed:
2,30
